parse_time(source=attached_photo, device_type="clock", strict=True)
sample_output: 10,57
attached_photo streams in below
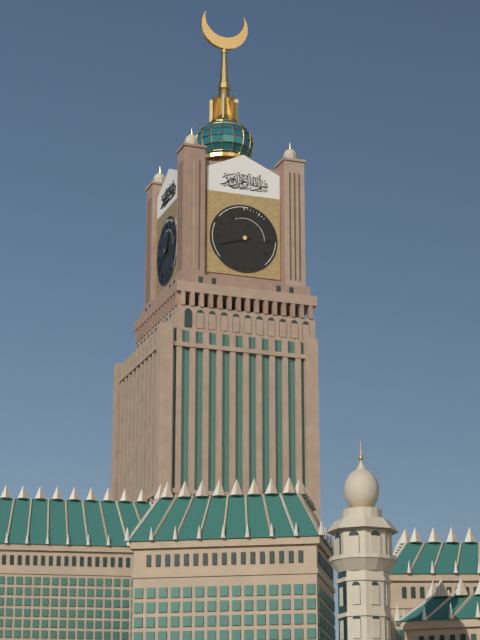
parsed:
12,42
